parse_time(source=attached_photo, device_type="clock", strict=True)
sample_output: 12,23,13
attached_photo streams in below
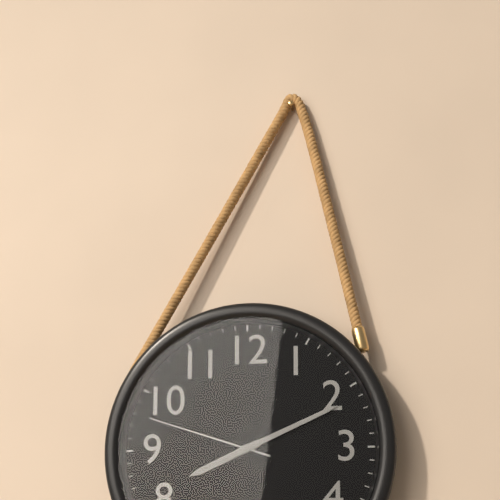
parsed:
8,11,48
